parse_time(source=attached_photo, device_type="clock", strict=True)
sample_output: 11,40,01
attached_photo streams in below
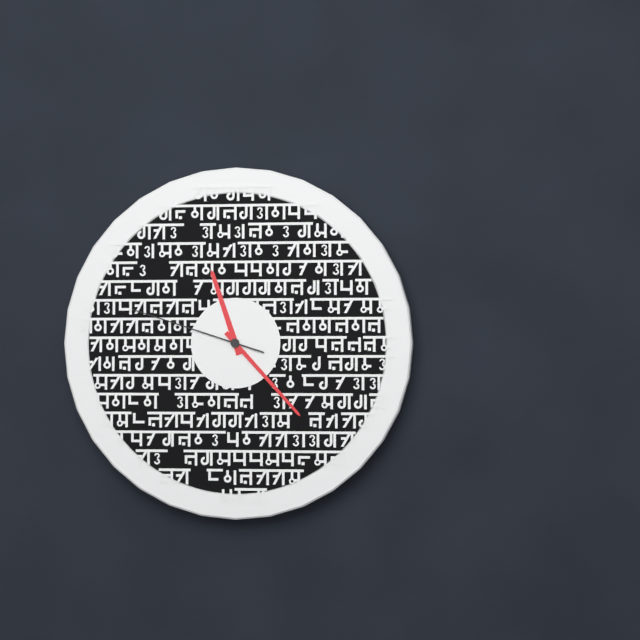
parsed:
11,23,48
